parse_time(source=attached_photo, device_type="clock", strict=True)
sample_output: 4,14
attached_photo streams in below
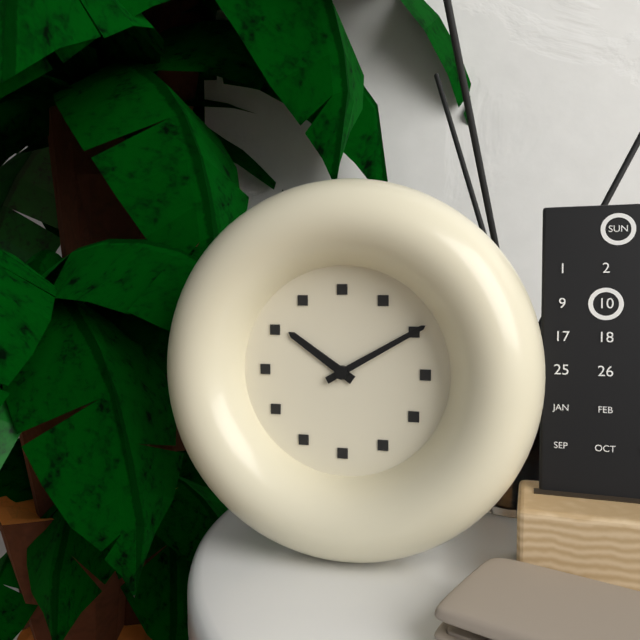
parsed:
10,10
